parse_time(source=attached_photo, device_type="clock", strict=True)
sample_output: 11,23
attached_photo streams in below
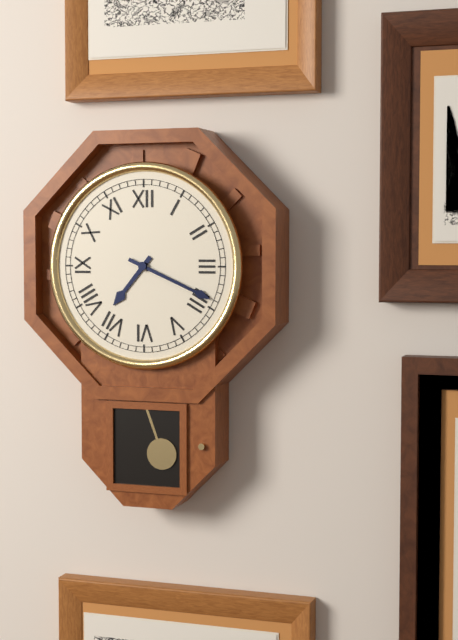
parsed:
7,19
